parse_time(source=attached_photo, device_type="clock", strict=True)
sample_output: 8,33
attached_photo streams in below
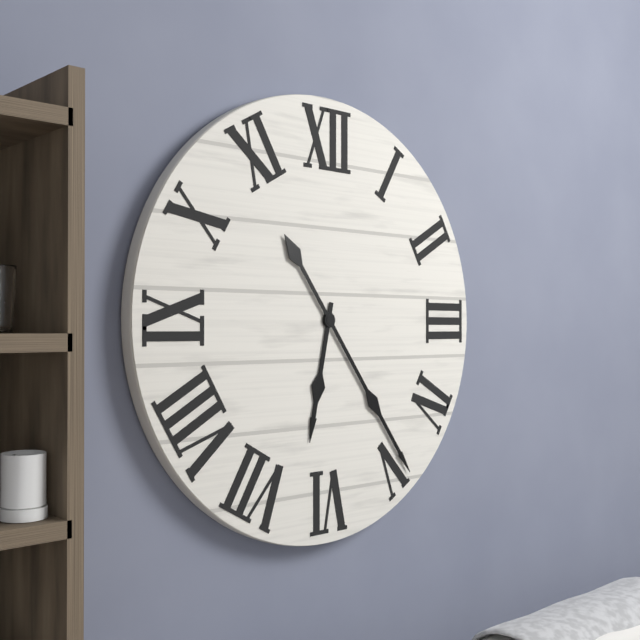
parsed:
6,24
